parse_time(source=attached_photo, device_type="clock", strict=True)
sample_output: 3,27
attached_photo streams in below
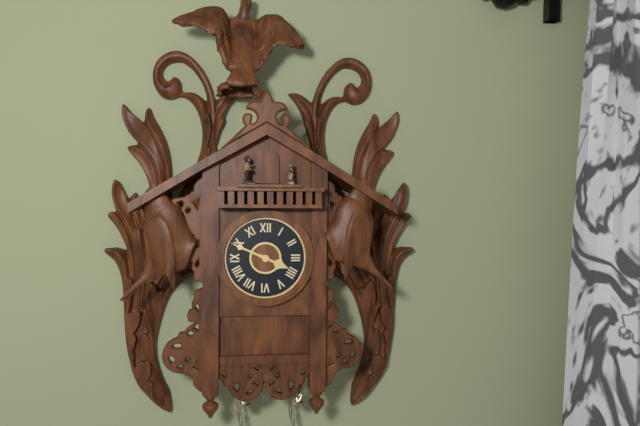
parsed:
3,49
